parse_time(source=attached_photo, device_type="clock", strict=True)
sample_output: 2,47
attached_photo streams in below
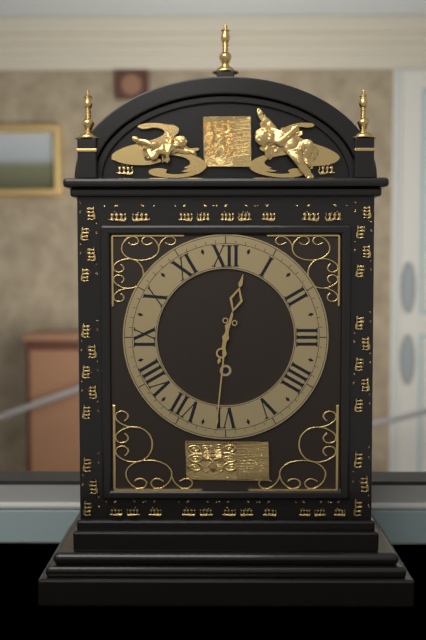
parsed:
12,31
